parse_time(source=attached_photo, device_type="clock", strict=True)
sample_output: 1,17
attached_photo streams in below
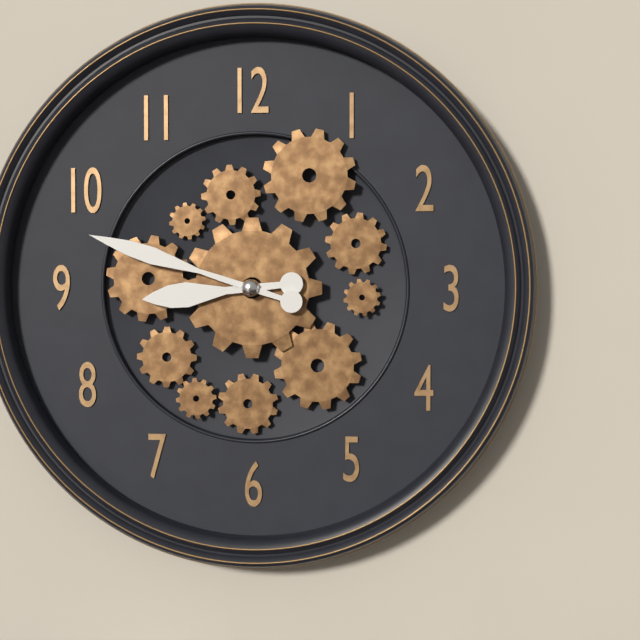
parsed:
8,48
